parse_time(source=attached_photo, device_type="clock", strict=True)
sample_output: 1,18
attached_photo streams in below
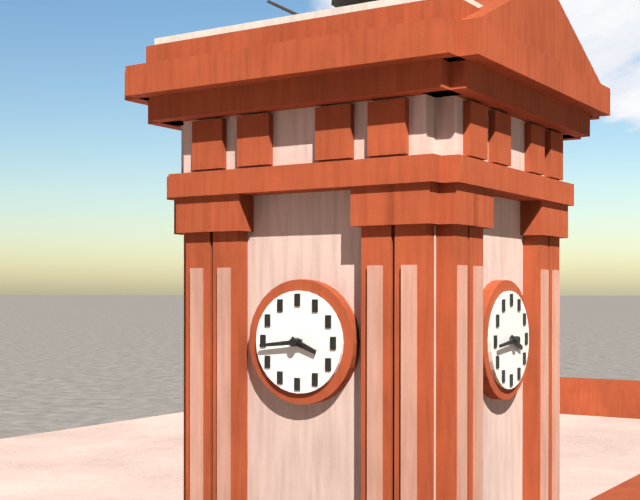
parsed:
3,44
